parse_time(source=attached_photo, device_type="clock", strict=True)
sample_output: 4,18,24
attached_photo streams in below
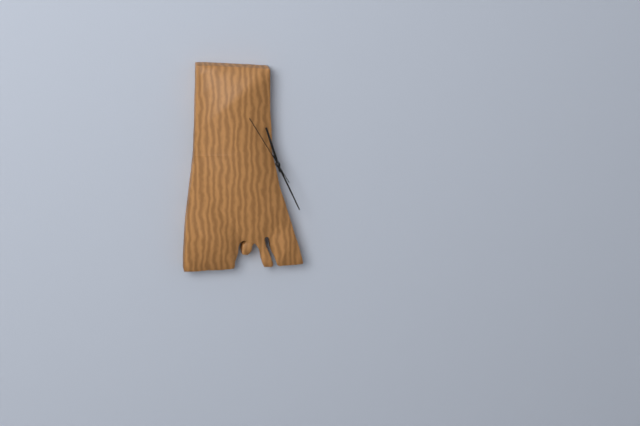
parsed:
11,26,55
